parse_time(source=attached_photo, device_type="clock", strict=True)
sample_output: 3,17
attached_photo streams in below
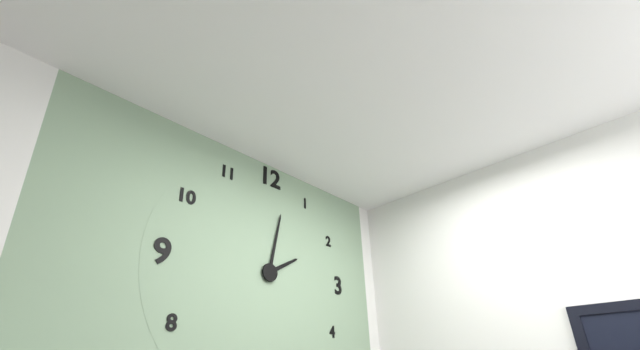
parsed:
2,02
